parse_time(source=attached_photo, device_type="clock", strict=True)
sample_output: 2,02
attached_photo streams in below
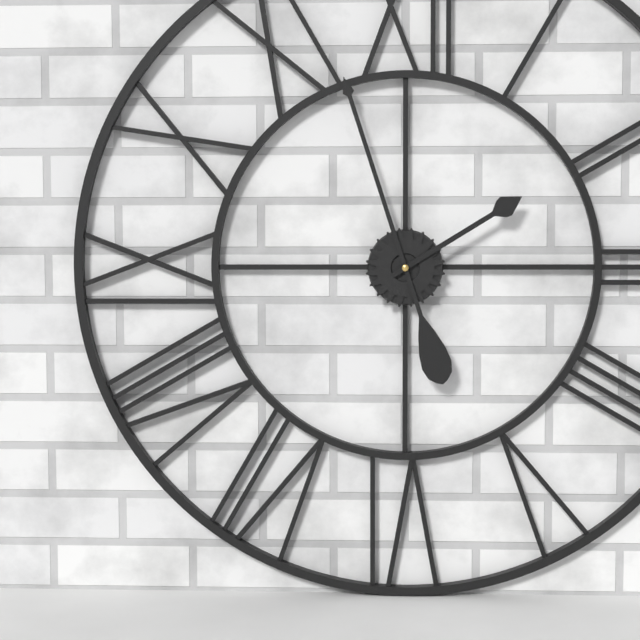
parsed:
1,57
